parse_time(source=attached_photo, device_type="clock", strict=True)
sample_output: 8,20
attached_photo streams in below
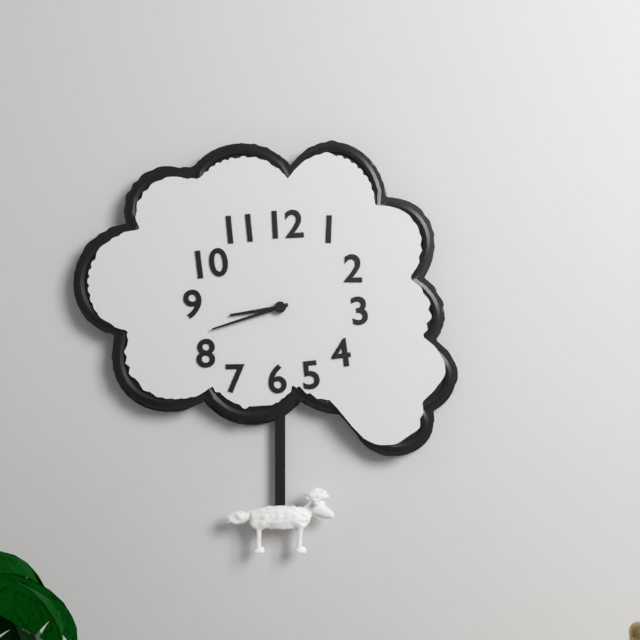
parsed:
8,42
